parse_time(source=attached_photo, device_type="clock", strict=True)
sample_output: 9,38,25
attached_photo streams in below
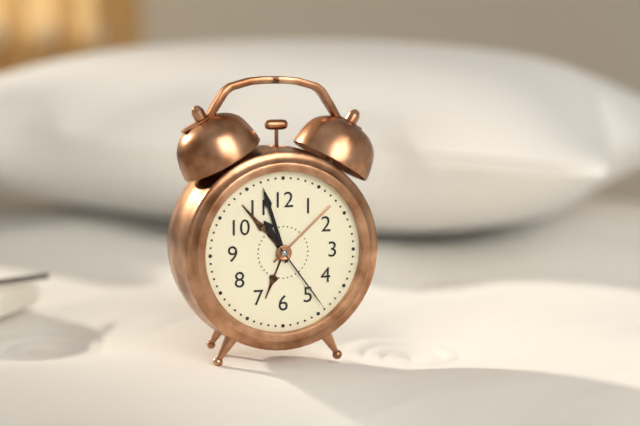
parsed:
10,57,24
